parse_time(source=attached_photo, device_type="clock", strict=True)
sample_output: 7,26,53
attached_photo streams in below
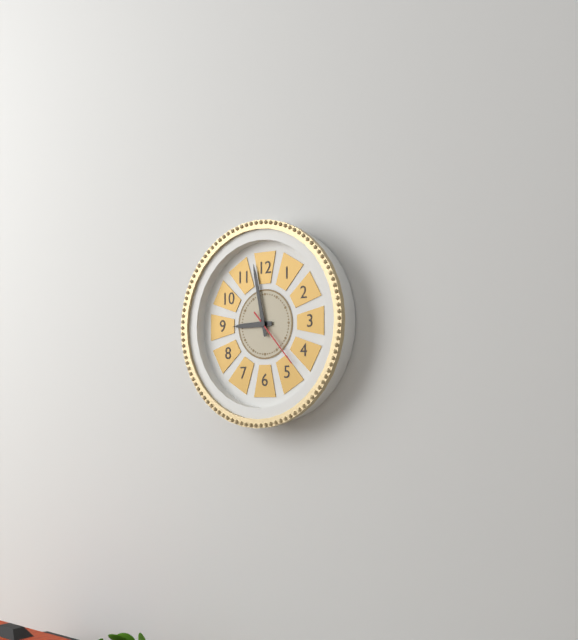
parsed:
8,58,23
